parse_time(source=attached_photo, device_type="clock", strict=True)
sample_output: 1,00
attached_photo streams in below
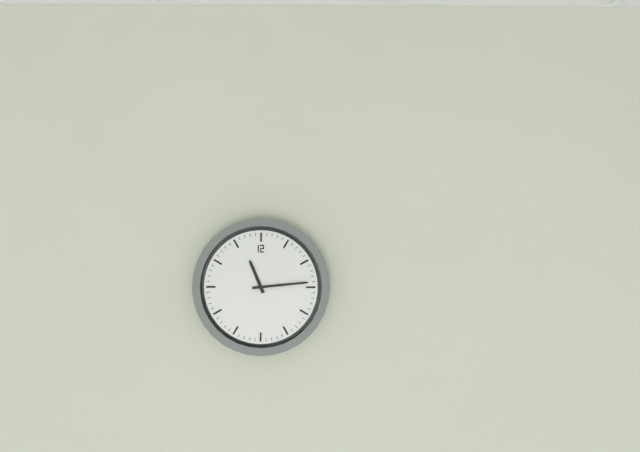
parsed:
11,14
